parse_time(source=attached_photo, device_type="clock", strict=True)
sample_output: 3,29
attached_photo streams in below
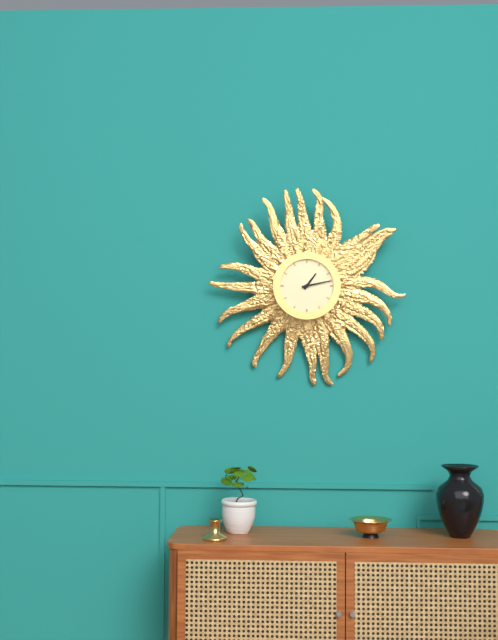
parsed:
1,13
